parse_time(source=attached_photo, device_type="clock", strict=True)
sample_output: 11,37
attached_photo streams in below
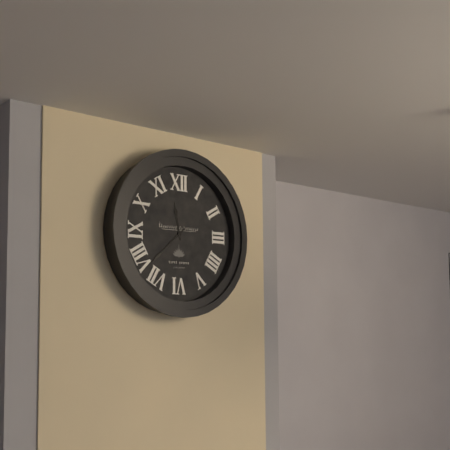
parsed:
11,38
